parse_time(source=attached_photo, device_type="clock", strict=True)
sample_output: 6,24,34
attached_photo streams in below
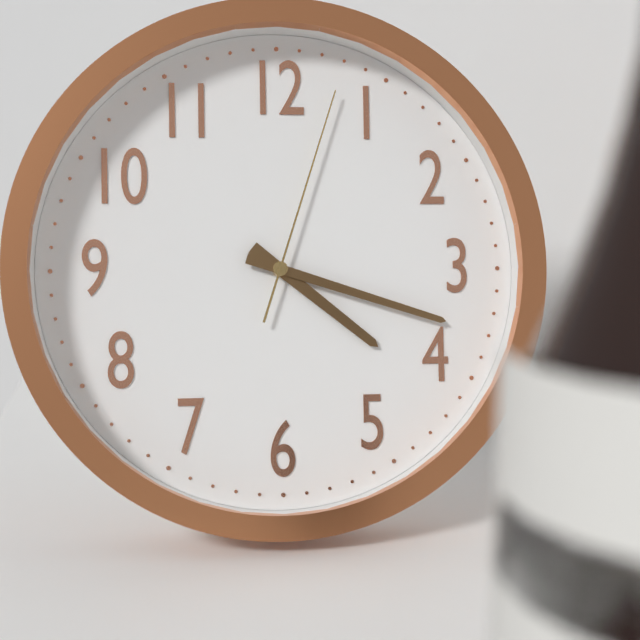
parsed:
4,18,03
